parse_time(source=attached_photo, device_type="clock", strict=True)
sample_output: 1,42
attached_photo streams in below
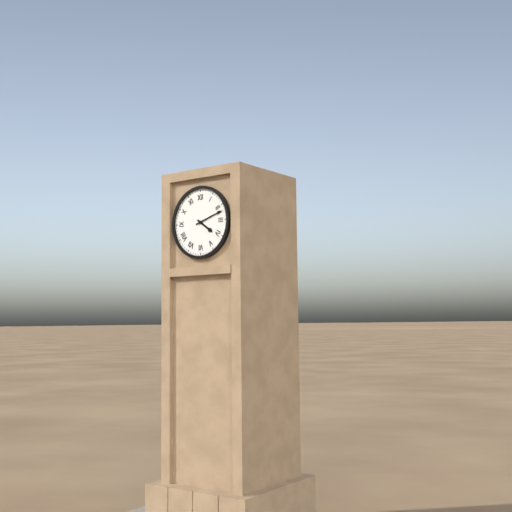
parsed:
4,12
